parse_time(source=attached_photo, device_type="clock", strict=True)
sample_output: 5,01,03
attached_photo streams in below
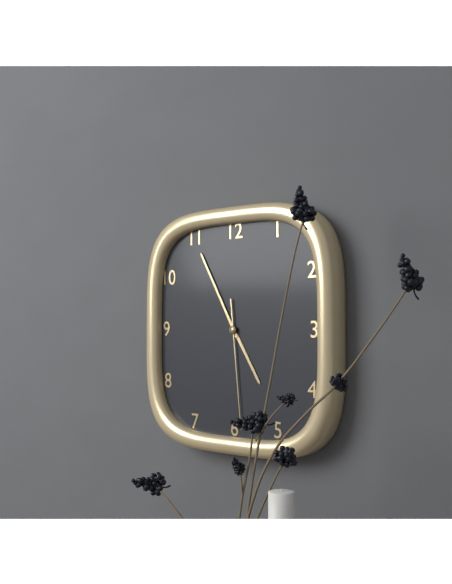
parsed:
4,55,29
